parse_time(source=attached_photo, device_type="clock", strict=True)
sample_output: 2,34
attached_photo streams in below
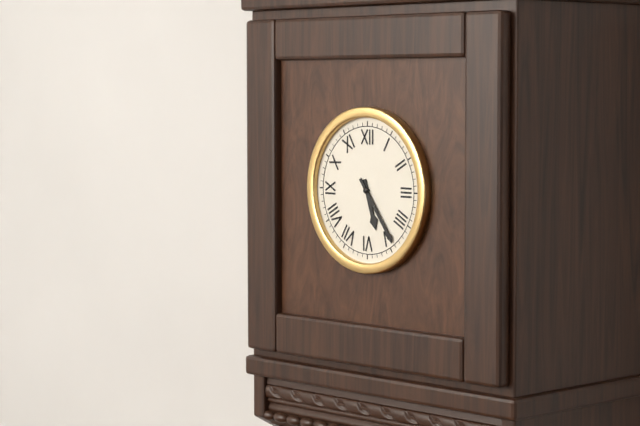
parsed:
5,24
